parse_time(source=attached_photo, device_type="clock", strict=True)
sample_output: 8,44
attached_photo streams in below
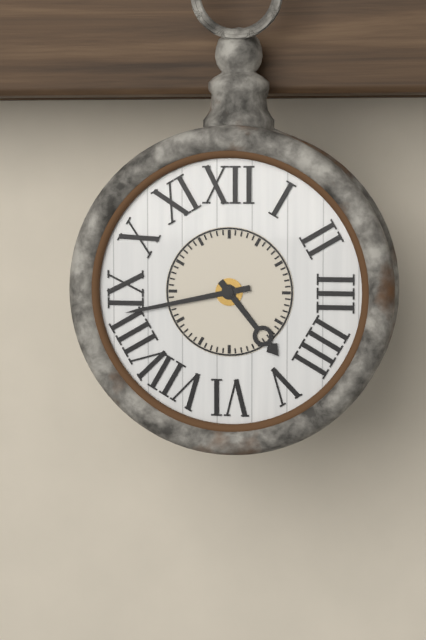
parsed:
4,43
